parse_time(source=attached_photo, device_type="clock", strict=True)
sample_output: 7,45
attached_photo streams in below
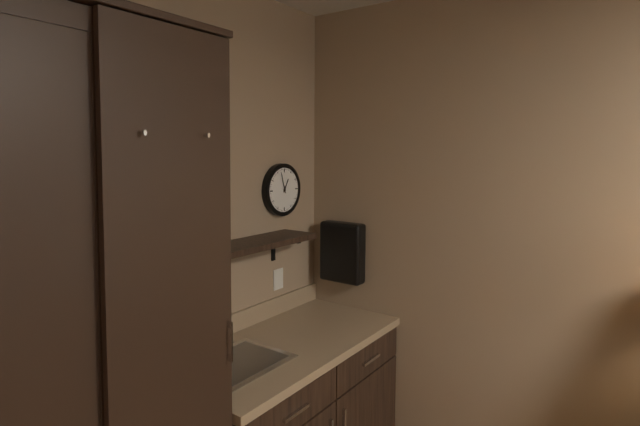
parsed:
12,57
